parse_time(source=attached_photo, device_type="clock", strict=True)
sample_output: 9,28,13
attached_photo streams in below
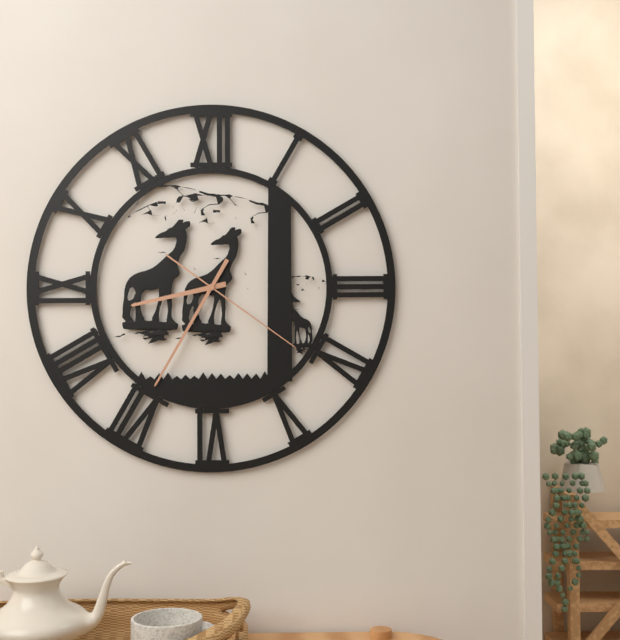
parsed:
8,35,21
